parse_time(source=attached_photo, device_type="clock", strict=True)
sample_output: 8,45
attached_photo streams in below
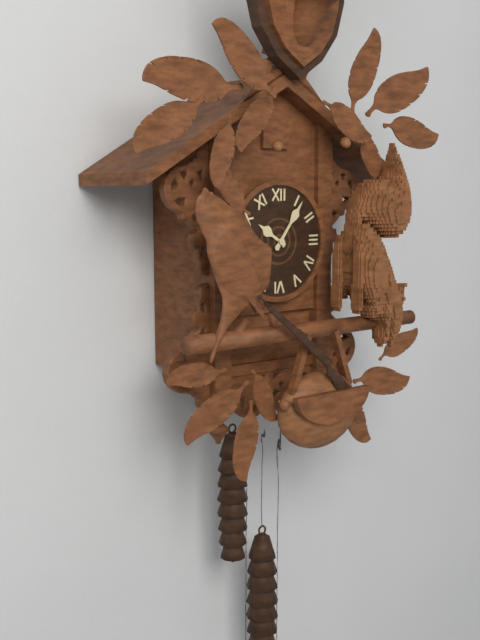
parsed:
10,06
